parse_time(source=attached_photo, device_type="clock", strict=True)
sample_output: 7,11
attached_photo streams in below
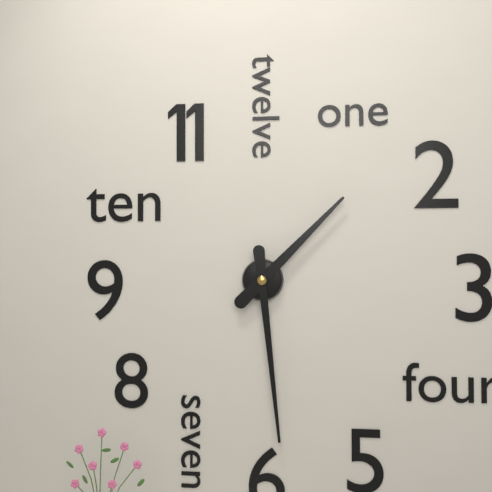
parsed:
1,29
